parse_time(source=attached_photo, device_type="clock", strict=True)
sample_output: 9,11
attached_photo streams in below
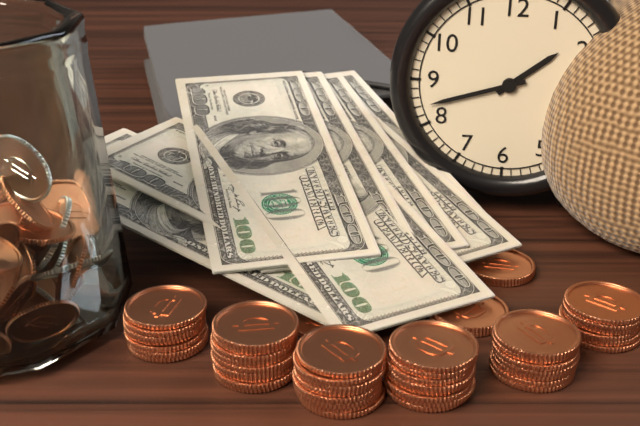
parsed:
1,42
